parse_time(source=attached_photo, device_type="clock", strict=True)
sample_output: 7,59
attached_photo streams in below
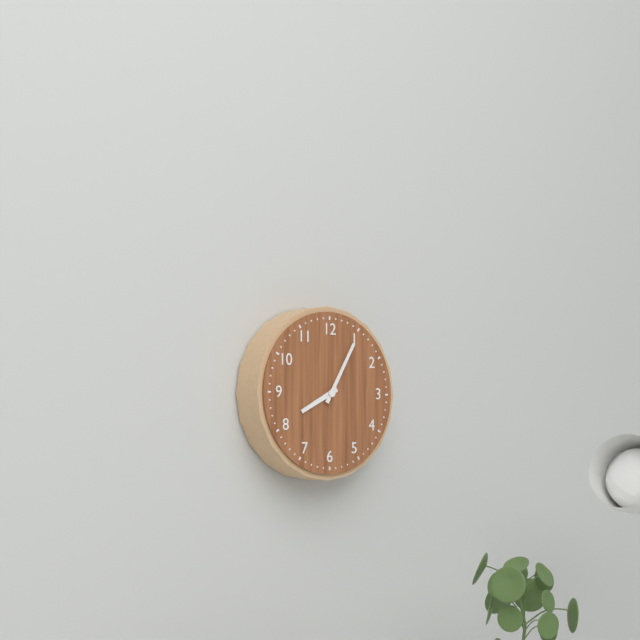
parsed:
8,05
